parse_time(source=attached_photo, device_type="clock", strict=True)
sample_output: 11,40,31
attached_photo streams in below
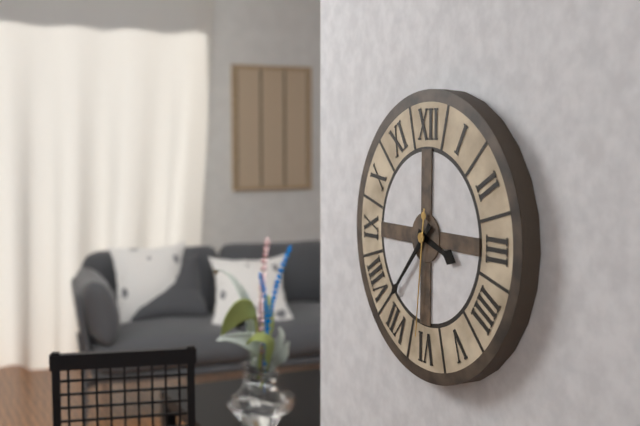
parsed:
3,37,31
